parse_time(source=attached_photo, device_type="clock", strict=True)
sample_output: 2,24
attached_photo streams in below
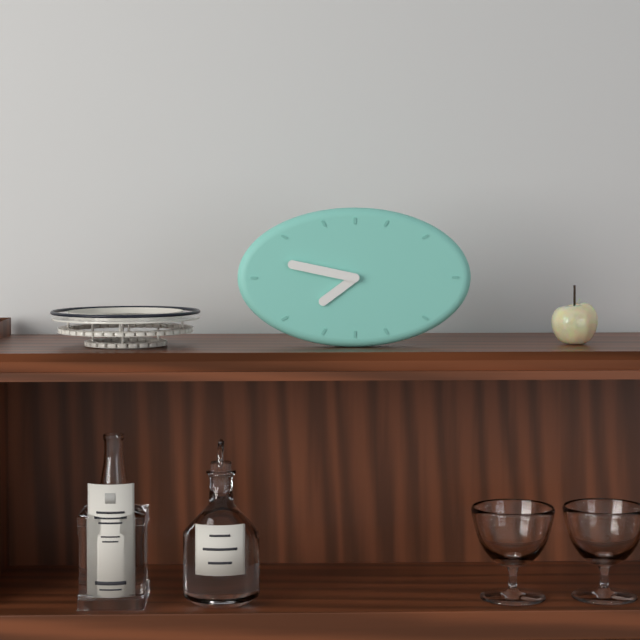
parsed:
7,47
